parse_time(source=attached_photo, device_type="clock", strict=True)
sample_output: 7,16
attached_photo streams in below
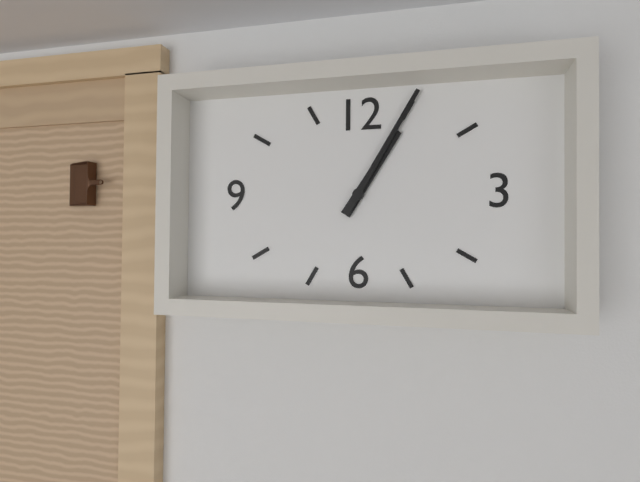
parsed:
1,05
